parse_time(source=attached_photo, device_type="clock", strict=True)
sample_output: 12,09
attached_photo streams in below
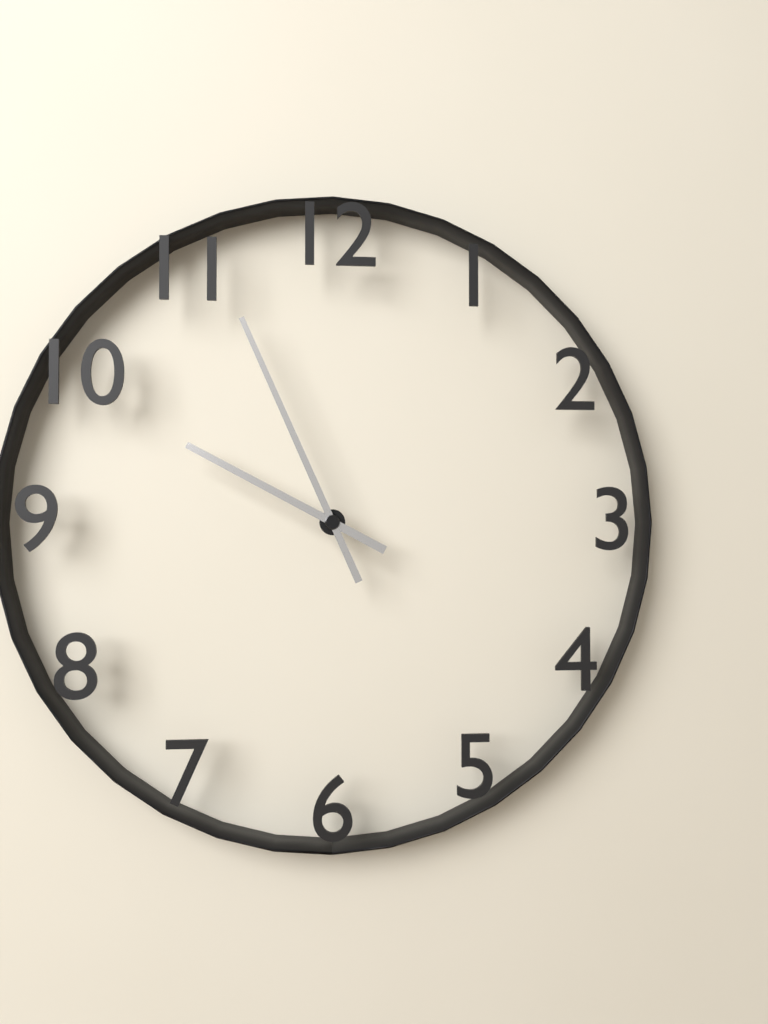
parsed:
9,56
